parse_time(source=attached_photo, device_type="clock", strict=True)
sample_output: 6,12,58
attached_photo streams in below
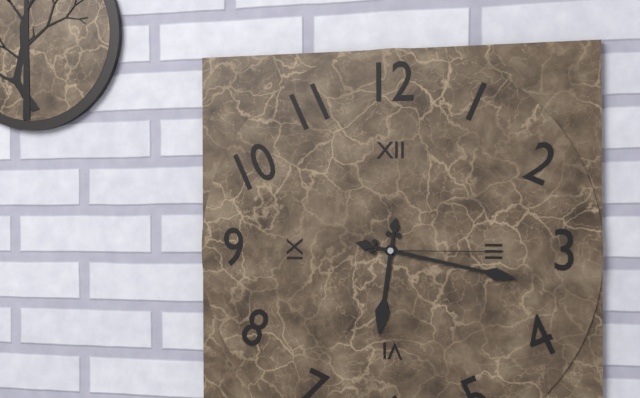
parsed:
6,17,15
